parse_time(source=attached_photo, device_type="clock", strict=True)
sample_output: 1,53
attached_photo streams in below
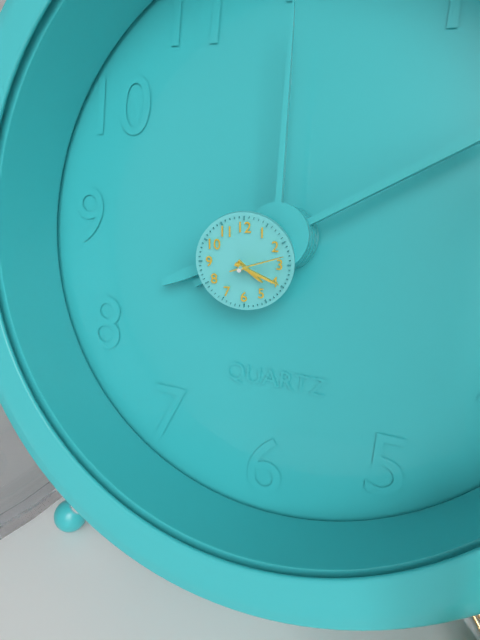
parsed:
4,19
